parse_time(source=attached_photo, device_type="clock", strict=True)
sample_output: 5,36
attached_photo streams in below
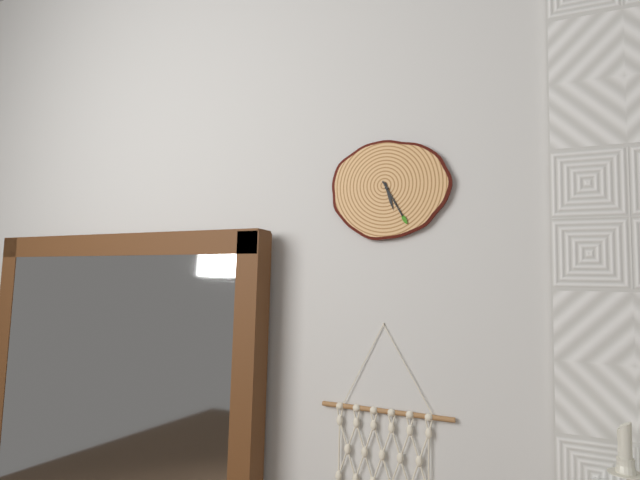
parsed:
5,25
